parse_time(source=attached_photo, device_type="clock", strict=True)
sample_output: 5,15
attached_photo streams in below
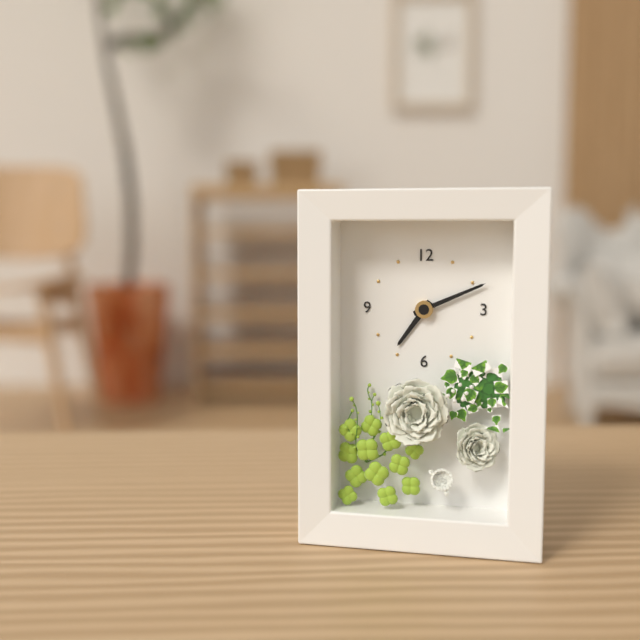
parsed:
7,11
